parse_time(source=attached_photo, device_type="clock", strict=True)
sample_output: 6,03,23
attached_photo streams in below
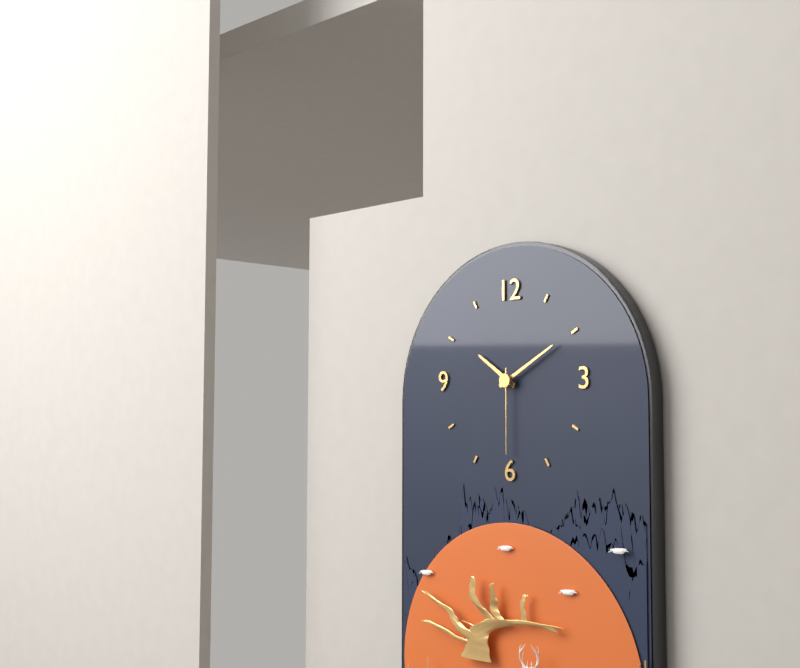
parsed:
10,10,30
